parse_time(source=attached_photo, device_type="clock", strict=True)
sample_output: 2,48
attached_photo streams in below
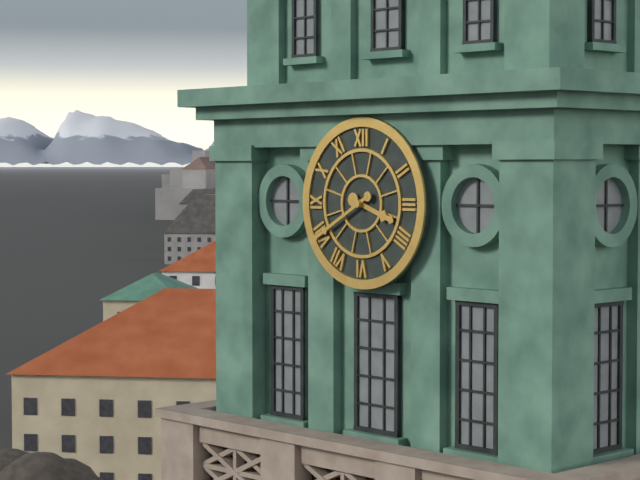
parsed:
3,40
